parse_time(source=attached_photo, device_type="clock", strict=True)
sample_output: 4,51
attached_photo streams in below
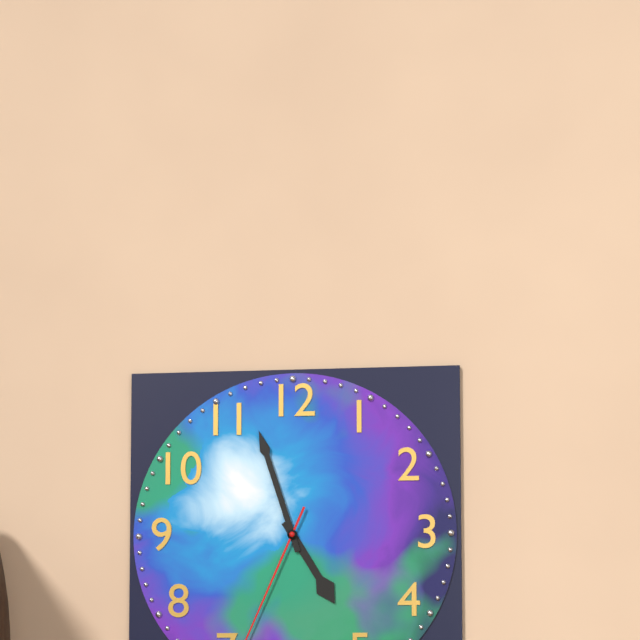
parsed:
4,57
